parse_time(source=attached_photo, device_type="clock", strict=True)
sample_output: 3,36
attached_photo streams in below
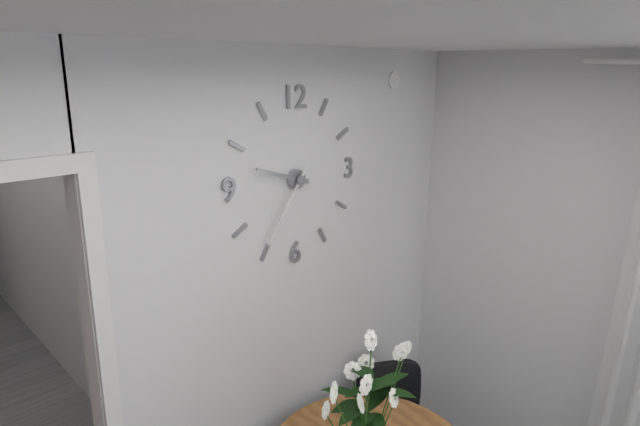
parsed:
9,36
